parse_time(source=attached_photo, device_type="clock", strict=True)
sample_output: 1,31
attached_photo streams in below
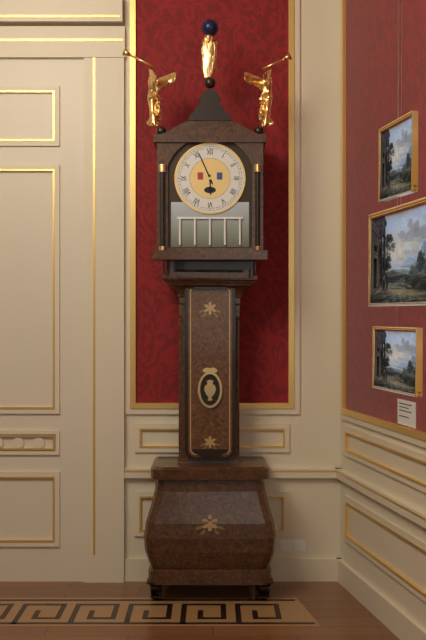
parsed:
5,56
